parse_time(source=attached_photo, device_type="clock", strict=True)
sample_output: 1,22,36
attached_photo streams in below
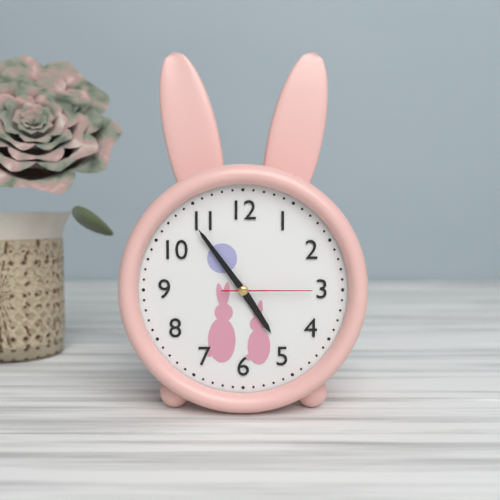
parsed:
4,54,15
